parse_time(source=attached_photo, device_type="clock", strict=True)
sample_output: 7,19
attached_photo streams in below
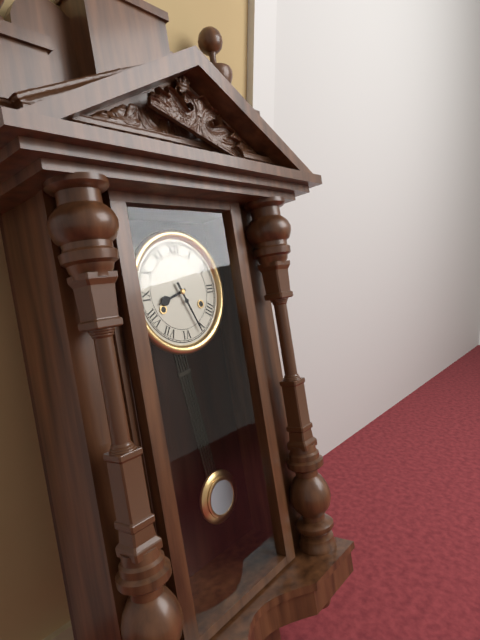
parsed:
8,26
